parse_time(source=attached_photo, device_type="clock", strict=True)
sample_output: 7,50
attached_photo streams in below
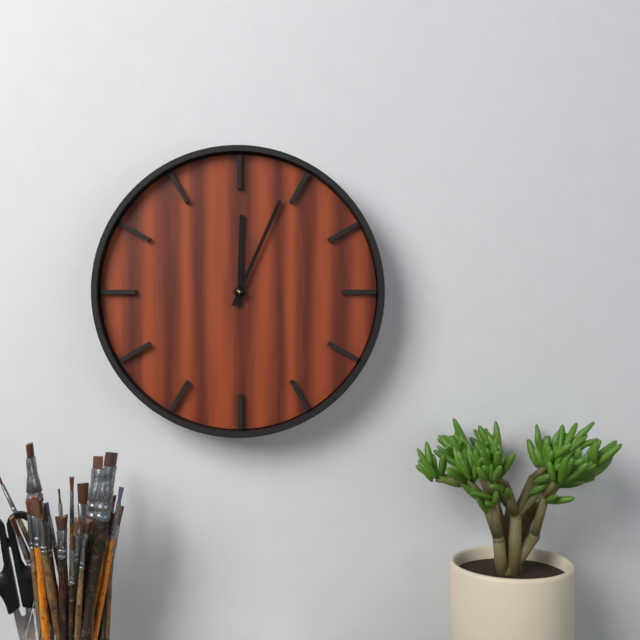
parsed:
12,04
